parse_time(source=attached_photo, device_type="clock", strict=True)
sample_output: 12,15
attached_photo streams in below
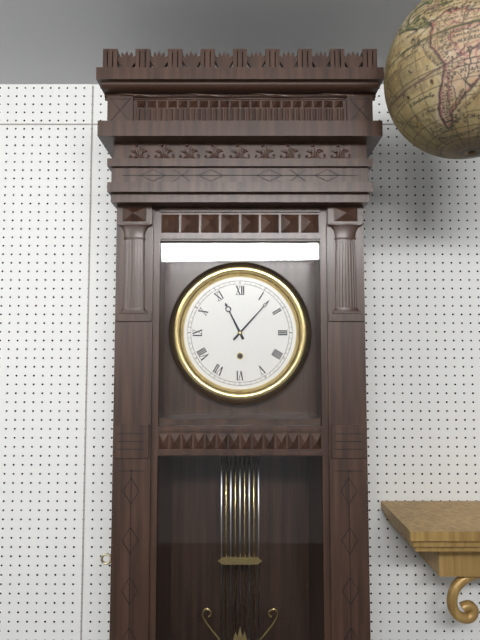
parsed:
11,07
